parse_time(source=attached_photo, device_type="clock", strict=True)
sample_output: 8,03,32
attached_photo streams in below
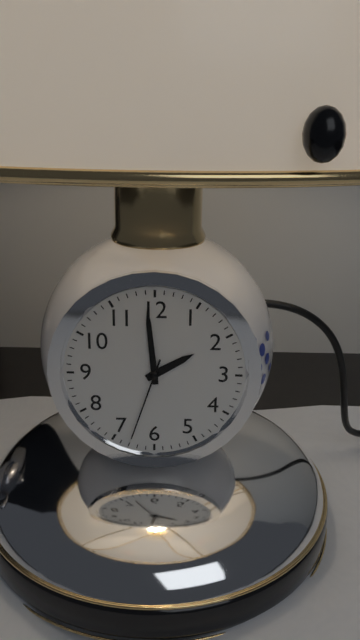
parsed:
1,59,33
